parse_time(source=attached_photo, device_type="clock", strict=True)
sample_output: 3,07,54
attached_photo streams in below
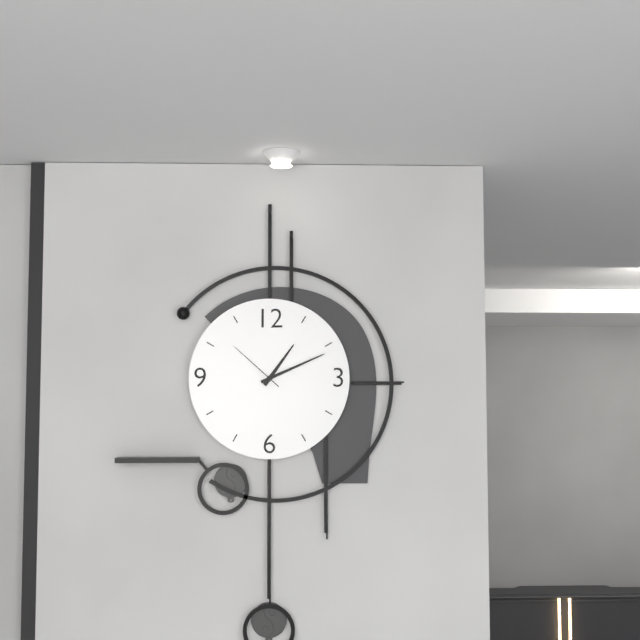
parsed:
1,11,52
